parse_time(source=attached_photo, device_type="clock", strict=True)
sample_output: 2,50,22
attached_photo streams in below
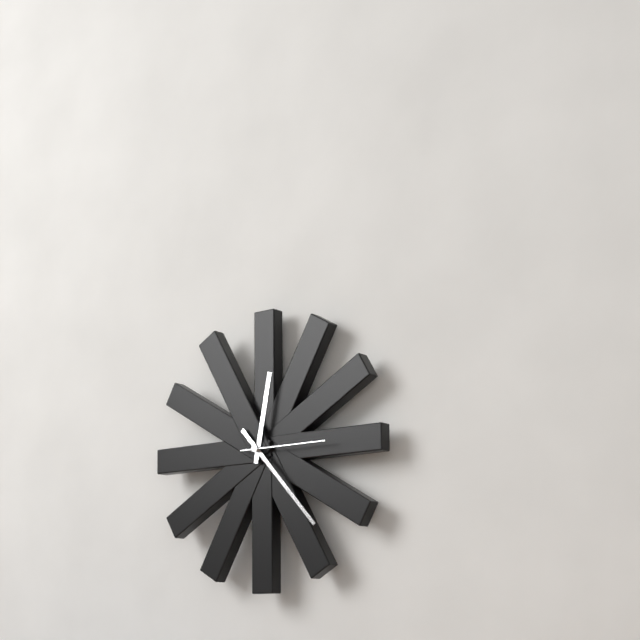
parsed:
12,23,15
